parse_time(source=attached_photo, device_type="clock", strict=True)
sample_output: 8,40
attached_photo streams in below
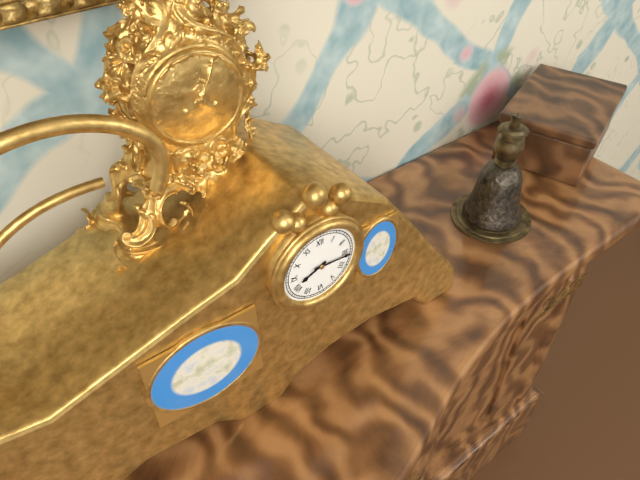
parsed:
8,16
